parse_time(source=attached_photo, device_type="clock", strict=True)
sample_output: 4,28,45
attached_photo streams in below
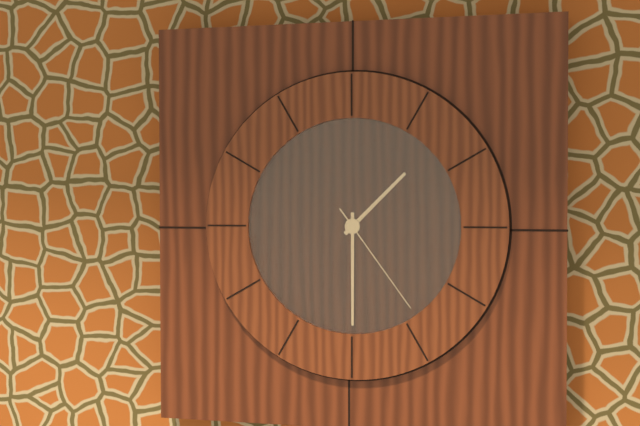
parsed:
1,30,24
